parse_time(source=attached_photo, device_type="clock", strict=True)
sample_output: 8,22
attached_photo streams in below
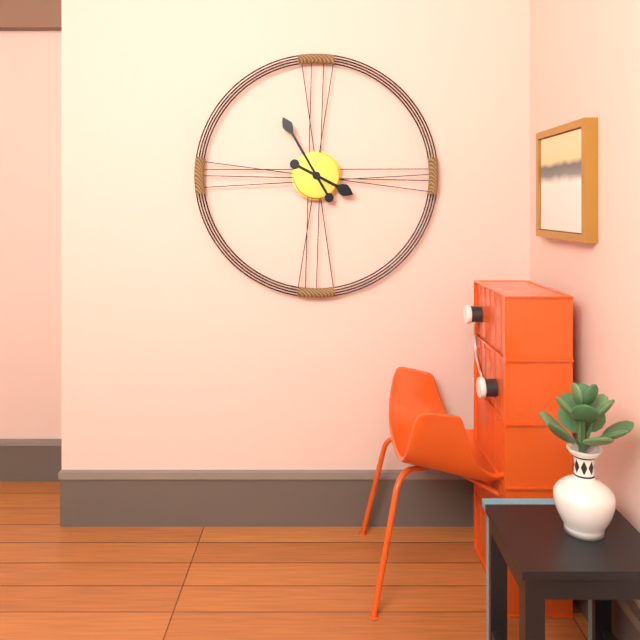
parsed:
3,55
